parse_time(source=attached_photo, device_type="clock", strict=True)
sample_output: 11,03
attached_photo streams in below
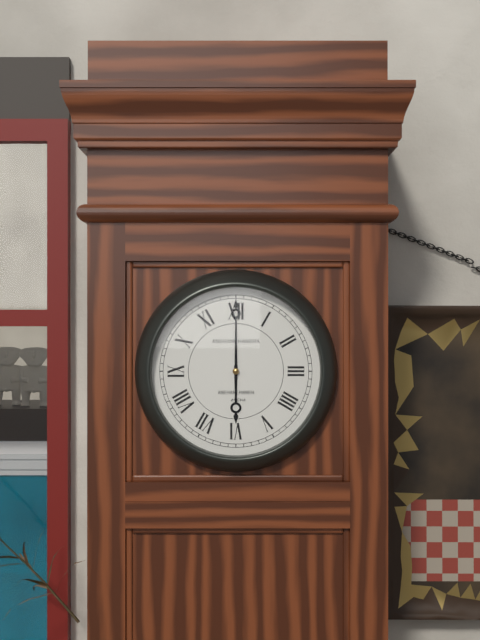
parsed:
6,00
